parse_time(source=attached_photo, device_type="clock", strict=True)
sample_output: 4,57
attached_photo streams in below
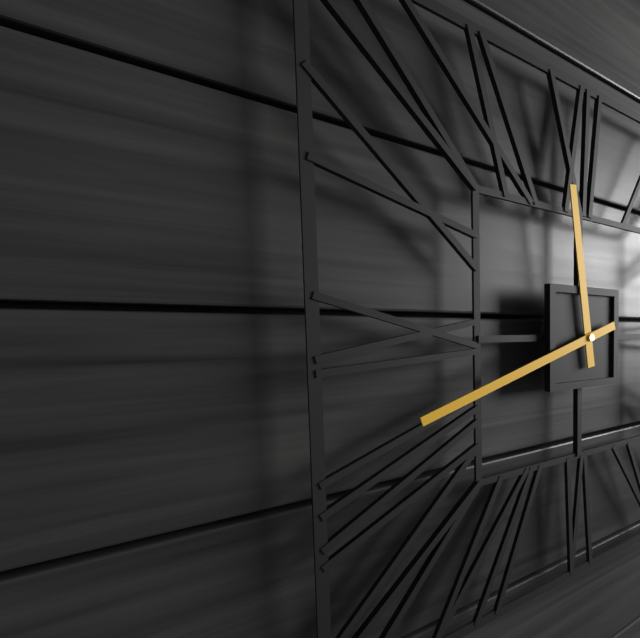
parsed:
11,42
